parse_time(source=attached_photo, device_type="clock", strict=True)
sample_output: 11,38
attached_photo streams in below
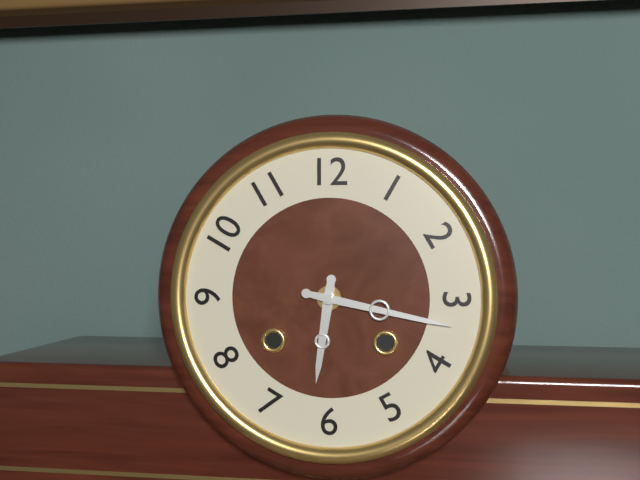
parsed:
6,17
